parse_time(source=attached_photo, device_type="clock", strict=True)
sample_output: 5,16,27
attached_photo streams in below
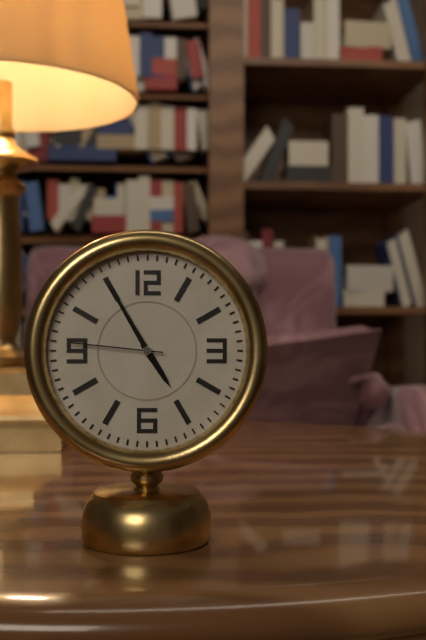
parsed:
4,55,46
